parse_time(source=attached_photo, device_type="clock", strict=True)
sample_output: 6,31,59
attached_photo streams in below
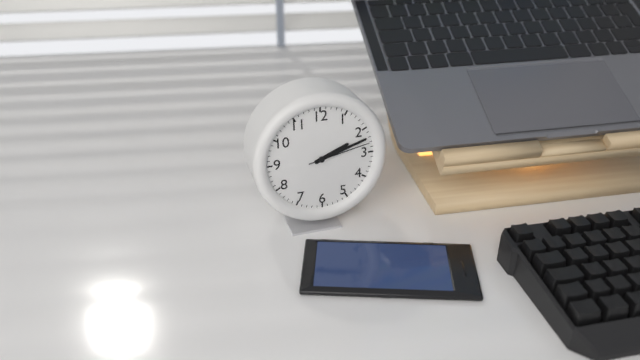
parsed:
2,12,13
